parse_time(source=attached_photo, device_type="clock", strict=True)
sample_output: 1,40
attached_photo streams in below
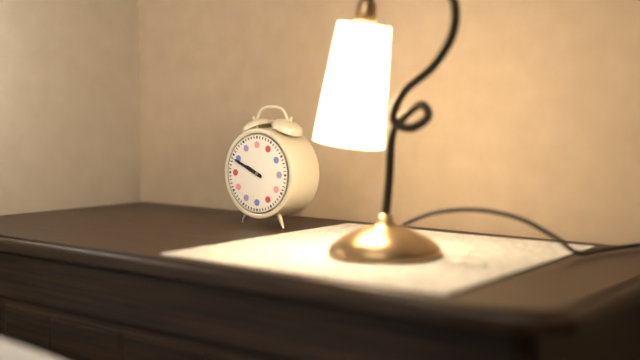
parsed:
9,49
